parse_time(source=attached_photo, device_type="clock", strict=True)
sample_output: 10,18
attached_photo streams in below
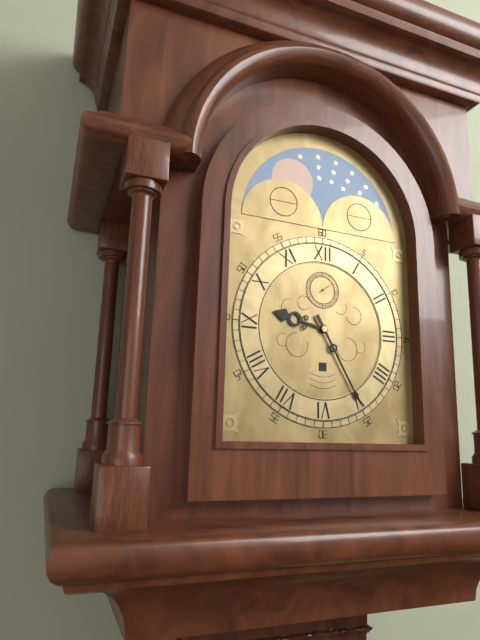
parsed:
9,25
